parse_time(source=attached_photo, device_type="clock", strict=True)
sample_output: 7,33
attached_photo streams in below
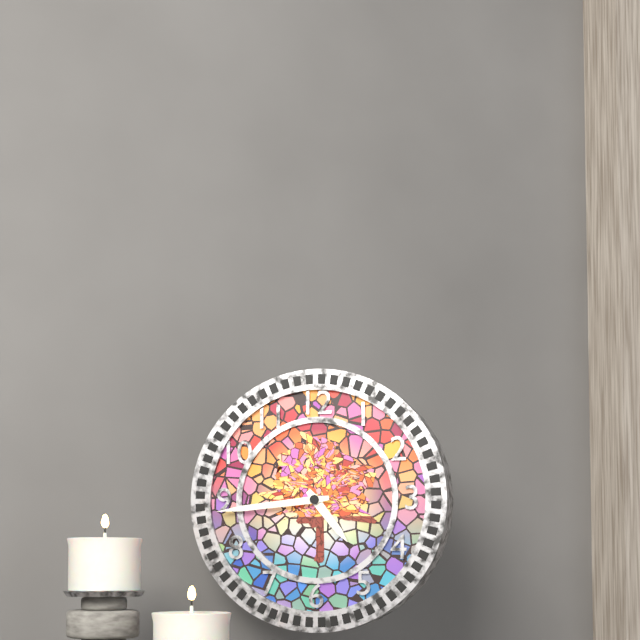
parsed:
4,44
